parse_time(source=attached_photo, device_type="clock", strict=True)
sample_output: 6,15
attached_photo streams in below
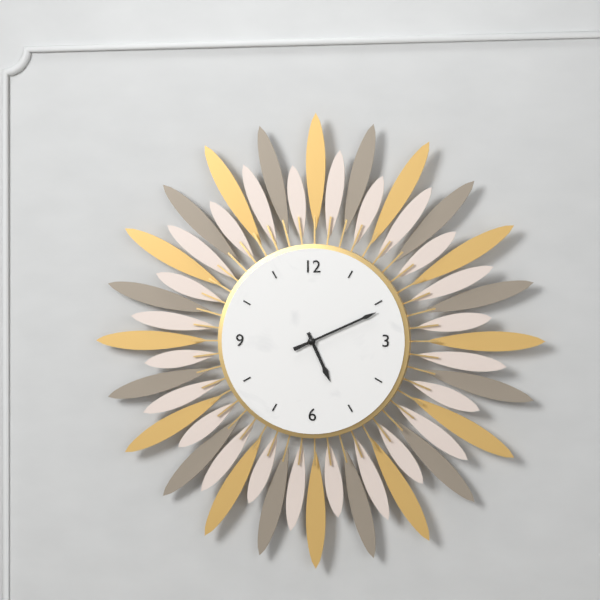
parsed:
5,11
